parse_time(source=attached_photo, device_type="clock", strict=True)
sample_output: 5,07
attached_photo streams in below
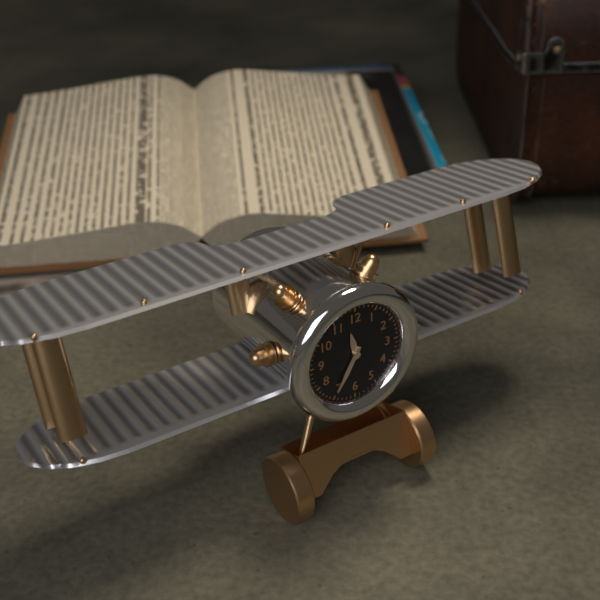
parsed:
11,35
